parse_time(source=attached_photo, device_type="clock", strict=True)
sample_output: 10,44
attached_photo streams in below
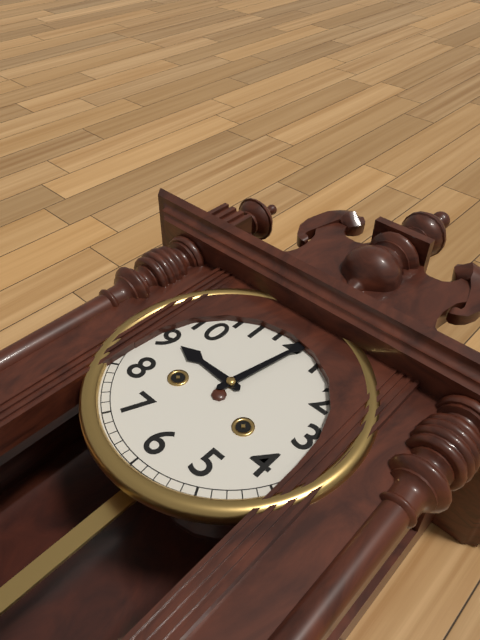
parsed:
9,02
